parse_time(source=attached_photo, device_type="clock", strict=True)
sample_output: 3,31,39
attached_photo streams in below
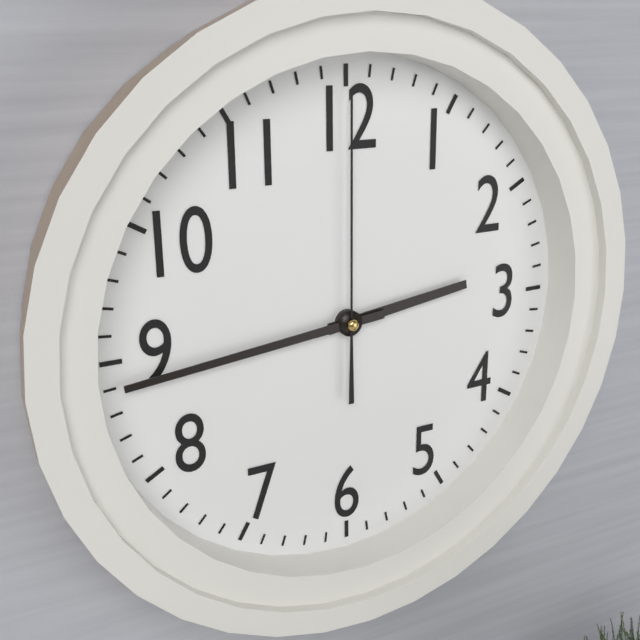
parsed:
2,44,00
